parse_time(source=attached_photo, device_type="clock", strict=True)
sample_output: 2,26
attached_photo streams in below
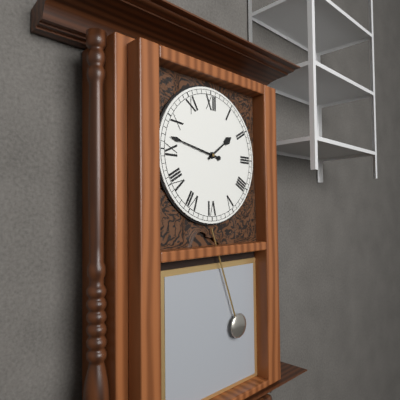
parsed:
1,47
